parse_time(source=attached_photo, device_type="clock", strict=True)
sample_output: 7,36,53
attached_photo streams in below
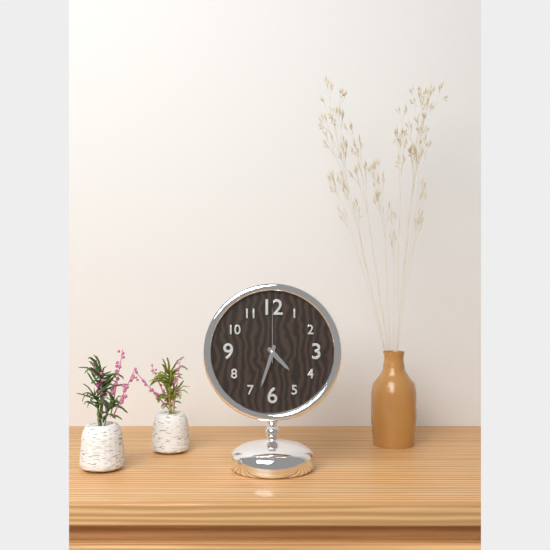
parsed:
4,33,00
